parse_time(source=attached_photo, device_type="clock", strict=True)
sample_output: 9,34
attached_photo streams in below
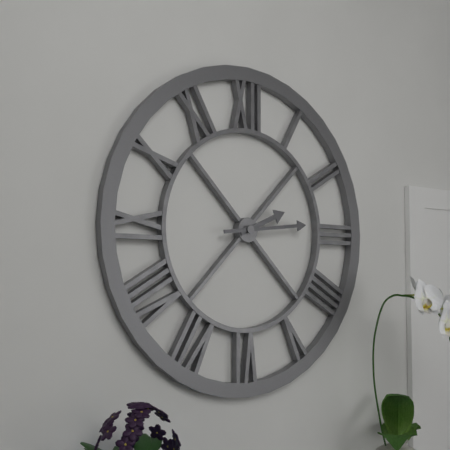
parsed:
2,14
